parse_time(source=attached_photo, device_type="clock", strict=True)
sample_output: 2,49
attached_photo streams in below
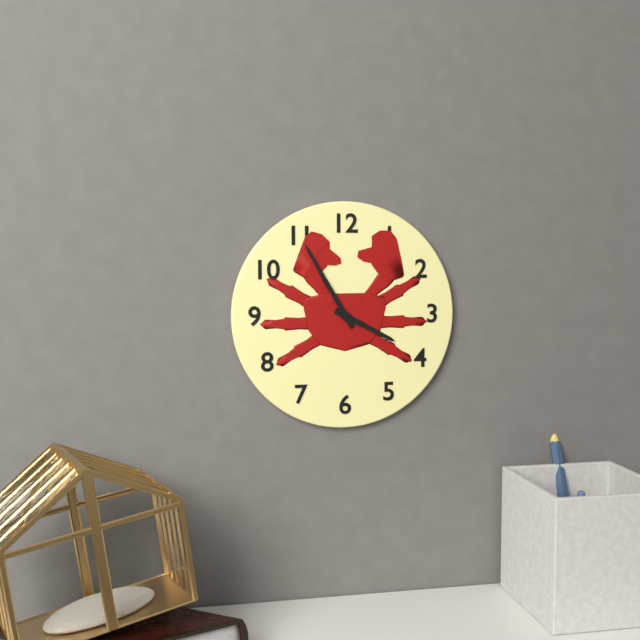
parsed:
3,55
